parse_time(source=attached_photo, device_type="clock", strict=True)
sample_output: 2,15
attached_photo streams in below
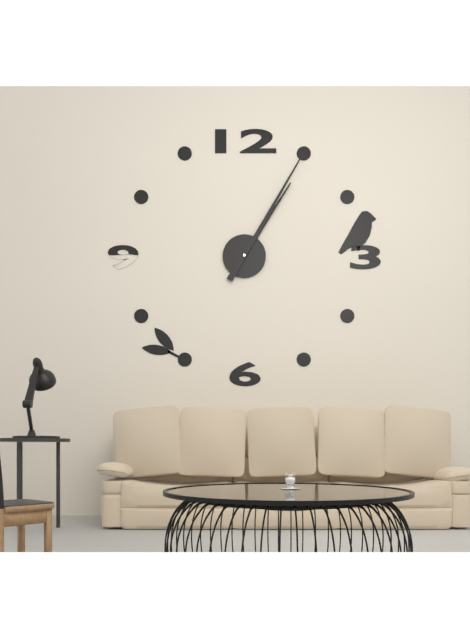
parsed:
1,05
